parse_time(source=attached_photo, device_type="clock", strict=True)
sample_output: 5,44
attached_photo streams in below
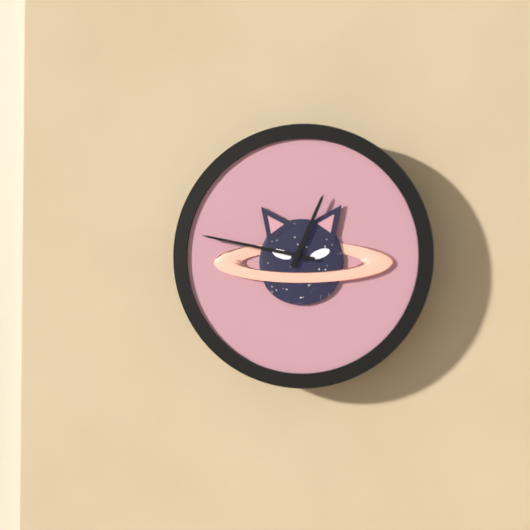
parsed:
12,47
